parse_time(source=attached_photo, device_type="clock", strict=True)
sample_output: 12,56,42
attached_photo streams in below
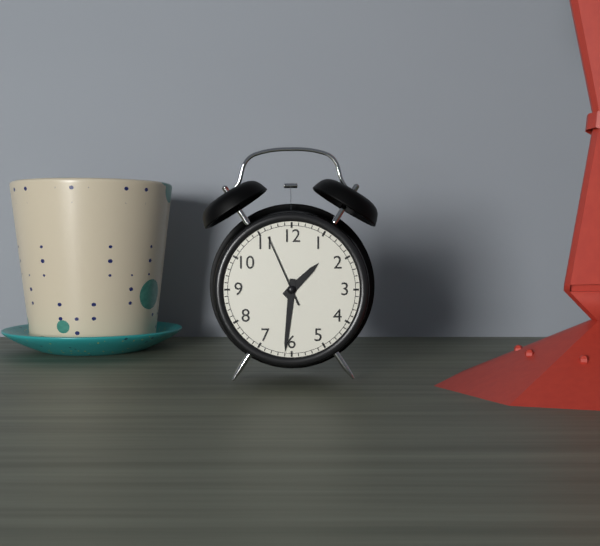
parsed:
1,31,56
